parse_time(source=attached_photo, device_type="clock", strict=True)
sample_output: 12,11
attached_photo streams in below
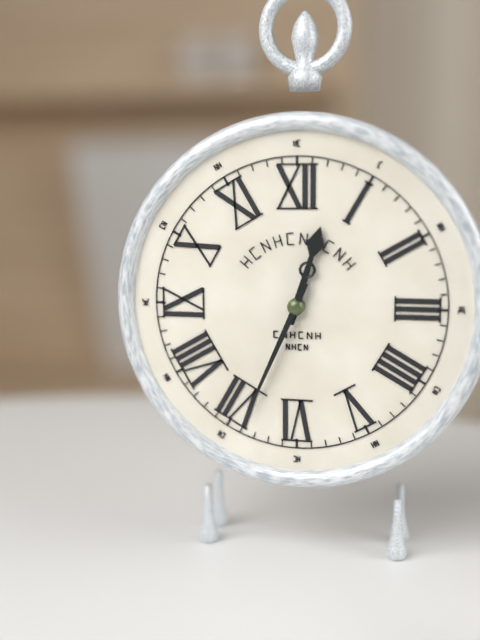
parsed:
12,34
